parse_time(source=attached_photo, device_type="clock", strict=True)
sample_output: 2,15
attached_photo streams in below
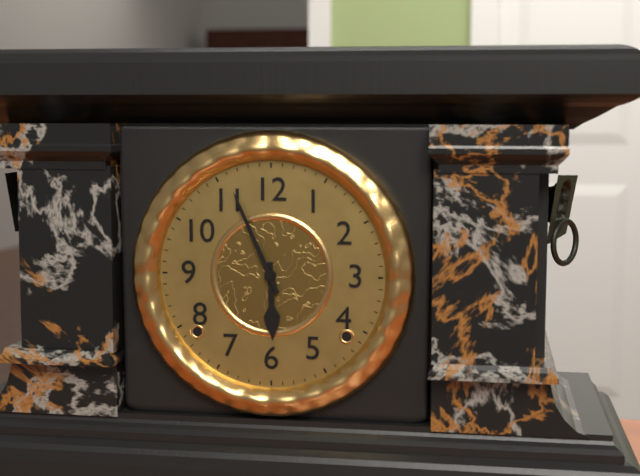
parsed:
5,56
